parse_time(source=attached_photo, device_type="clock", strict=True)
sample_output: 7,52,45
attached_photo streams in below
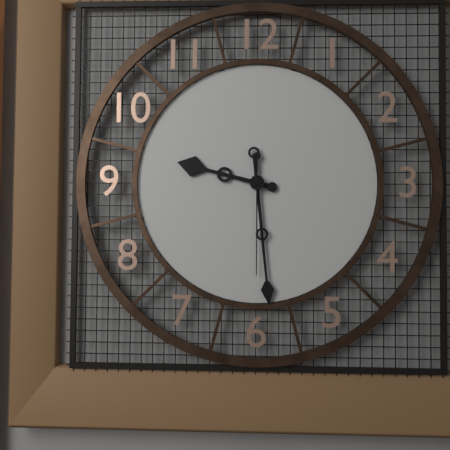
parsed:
9,29,30
